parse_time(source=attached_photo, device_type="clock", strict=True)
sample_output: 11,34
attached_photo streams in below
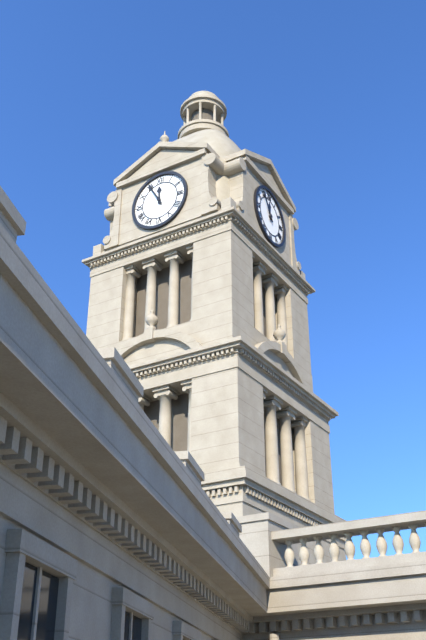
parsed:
11,55
